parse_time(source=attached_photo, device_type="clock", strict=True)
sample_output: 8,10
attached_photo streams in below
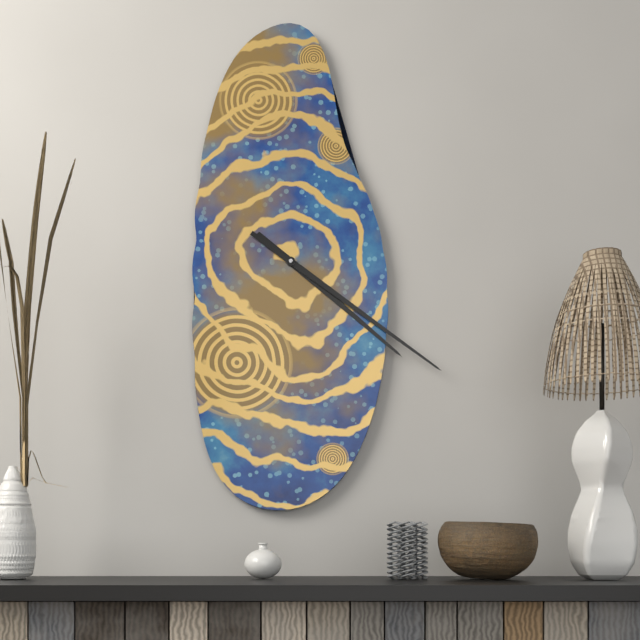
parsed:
4,21
